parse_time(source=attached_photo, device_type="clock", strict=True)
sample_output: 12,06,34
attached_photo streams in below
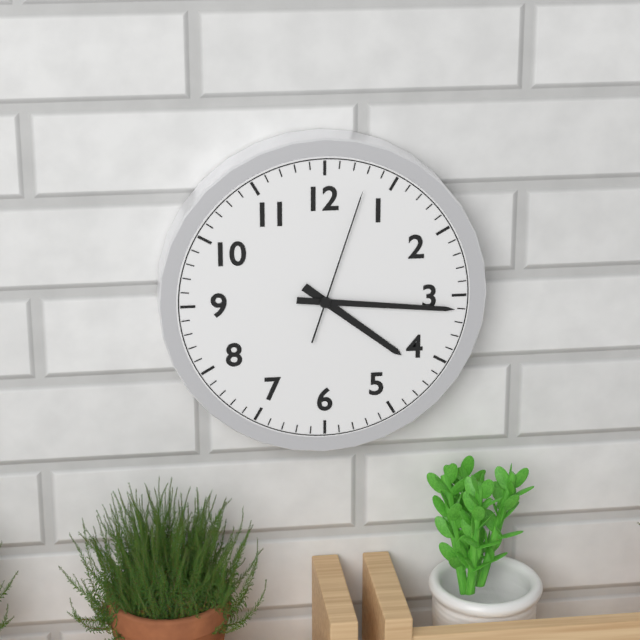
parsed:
4,16,03
